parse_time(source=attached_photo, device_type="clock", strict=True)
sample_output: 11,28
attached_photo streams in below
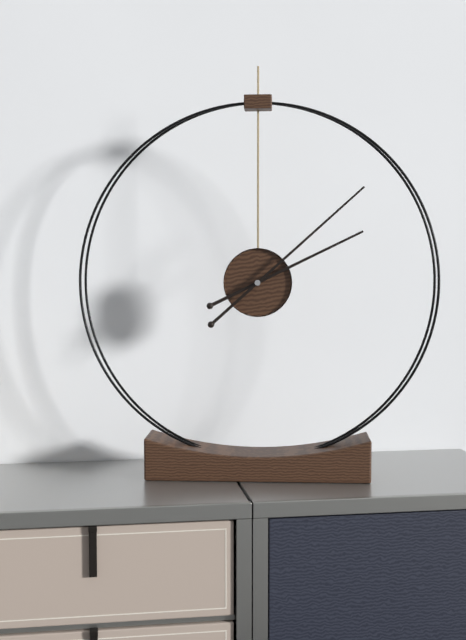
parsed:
2,08
